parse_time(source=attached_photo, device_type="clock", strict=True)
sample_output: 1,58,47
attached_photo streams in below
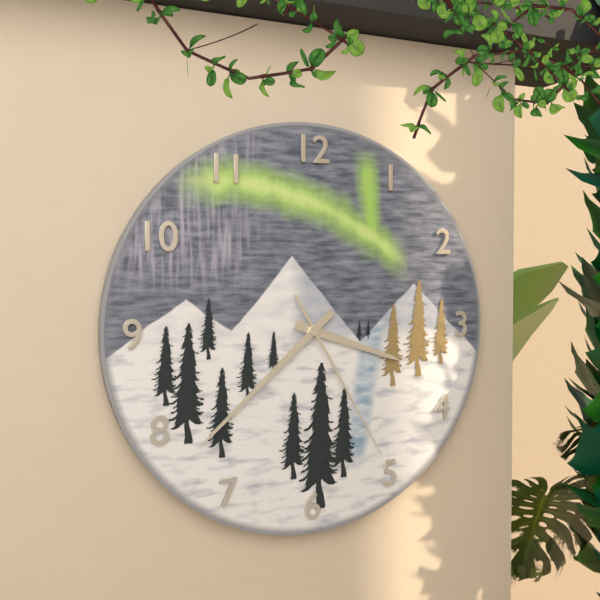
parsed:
3,38,25
